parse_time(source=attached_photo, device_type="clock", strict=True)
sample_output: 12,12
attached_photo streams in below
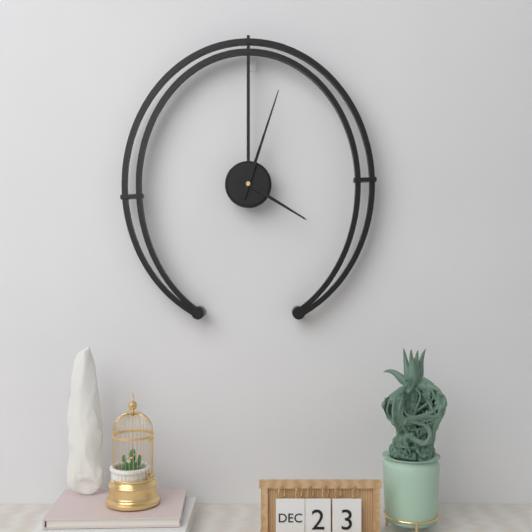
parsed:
4,03
